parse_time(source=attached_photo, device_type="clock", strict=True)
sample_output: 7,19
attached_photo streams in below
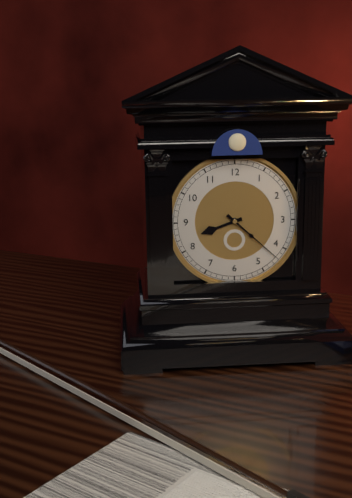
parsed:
8,22
